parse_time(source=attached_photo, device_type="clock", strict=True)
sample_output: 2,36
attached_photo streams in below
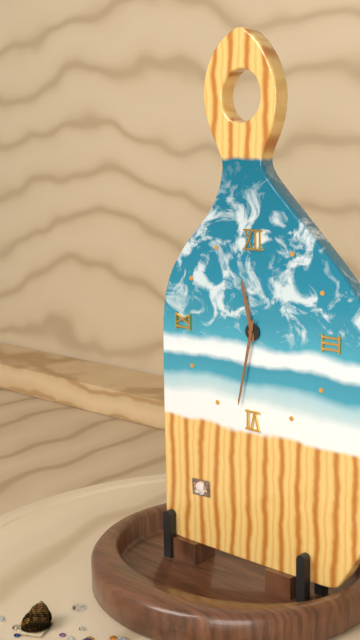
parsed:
11,32
